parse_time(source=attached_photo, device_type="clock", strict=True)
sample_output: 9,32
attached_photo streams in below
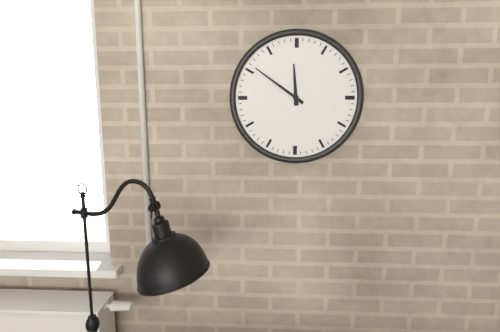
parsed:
11,51
